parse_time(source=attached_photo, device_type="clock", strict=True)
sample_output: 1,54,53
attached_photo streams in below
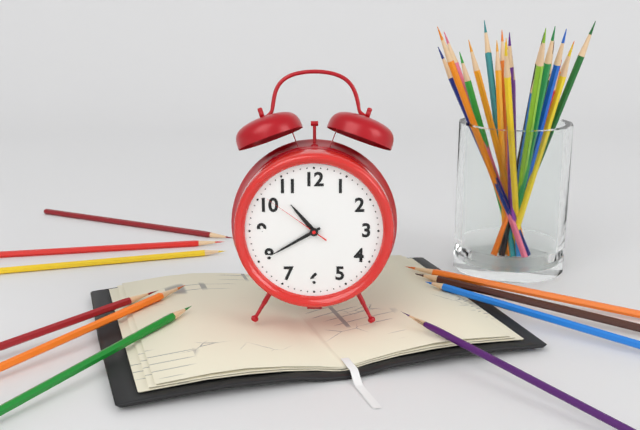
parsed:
10,40,51
